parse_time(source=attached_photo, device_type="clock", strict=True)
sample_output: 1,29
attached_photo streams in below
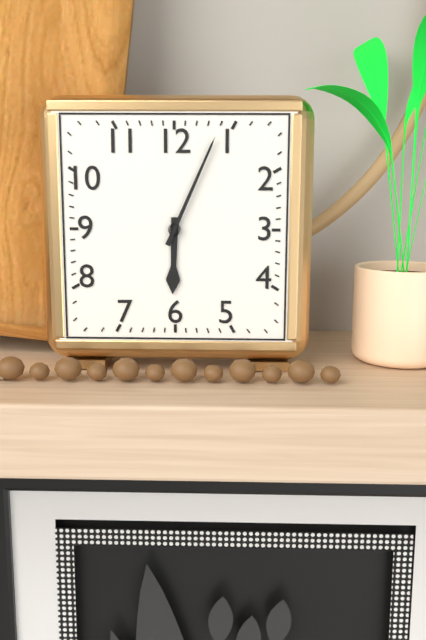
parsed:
6,04
